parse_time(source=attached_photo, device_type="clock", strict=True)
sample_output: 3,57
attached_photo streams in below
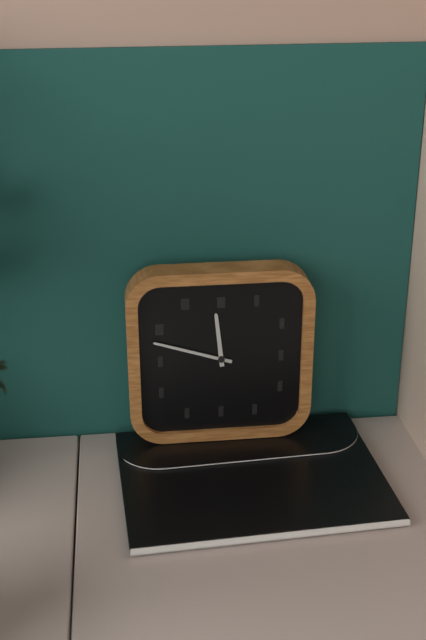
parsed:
11,48
